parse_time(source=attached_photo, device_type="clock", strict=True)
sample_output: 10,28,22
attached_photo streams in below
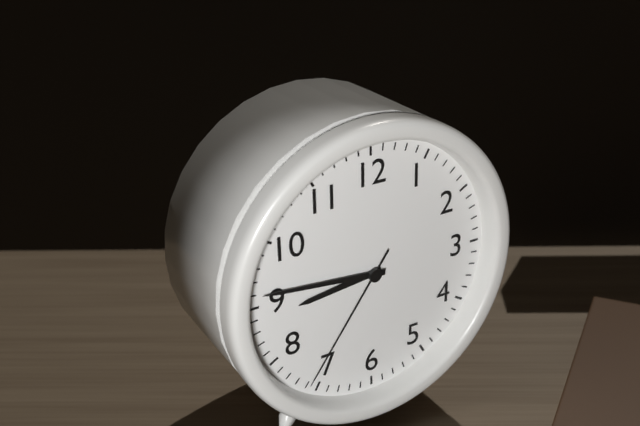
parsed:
8,46,36
